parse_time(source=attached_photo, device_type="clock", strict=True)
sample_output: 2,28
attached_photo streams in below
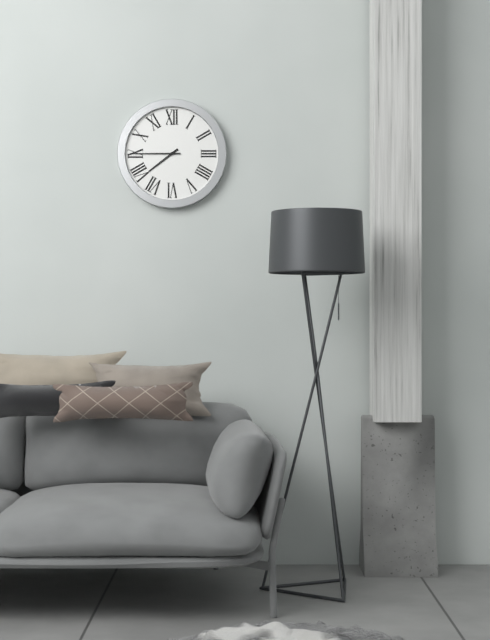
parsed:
7,45
